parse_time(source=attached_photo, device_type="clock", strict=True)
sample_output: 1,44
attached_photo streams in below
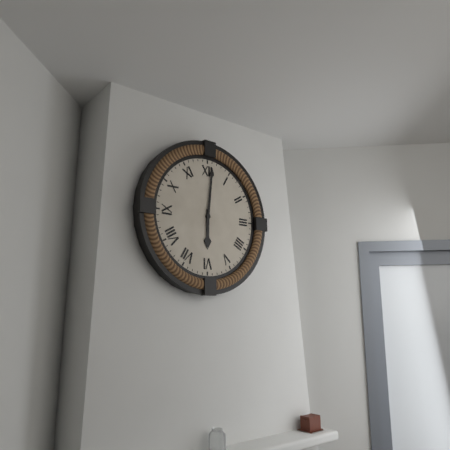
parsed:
6,01
